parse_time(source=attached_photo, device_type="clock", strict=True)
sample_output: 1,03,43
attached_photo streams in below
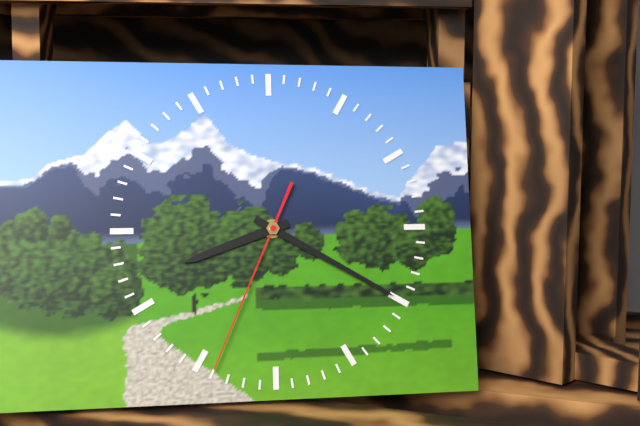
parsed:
8,20,34
